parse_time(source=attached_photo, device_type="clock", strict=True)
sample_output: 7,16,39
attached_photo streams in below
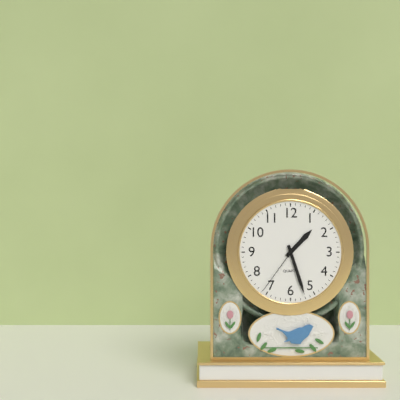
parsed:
1,27,36
